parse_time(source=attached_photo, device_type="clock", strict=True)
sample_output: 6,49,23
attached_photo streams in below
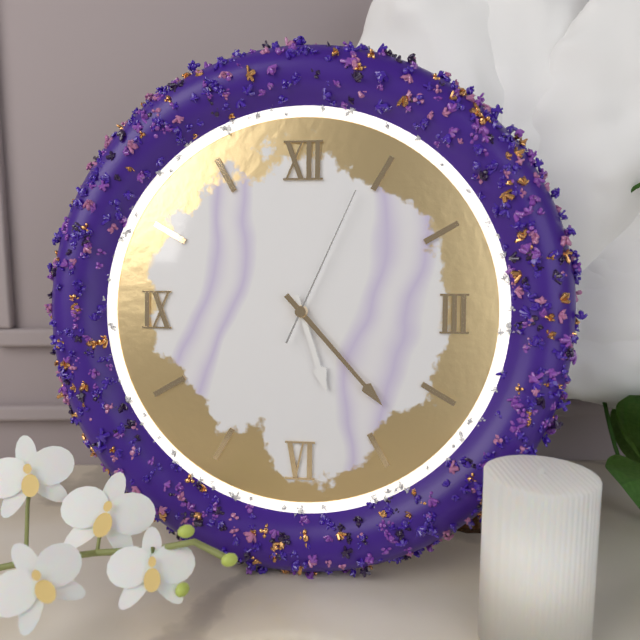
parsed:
5,23,04
